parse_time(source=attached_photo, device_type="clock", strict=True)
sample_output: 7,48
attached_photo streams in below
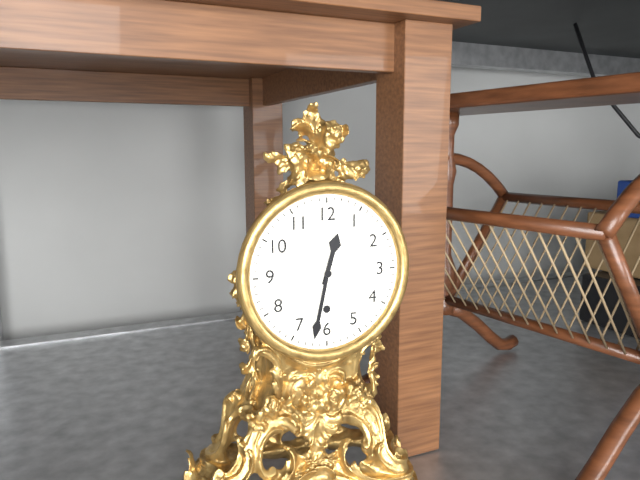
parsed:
12,32
